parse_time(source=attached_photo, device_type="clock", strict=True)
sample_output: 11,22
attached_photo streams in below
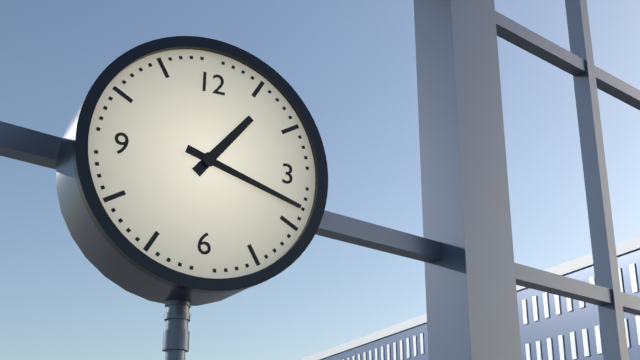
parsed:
1,18
